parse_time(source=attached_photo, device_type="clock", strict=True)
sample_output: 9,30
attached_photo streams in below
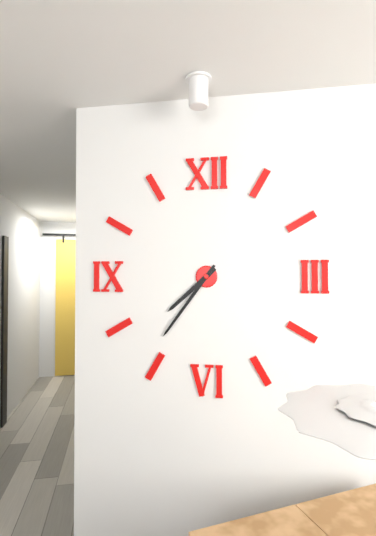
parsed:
7,36
